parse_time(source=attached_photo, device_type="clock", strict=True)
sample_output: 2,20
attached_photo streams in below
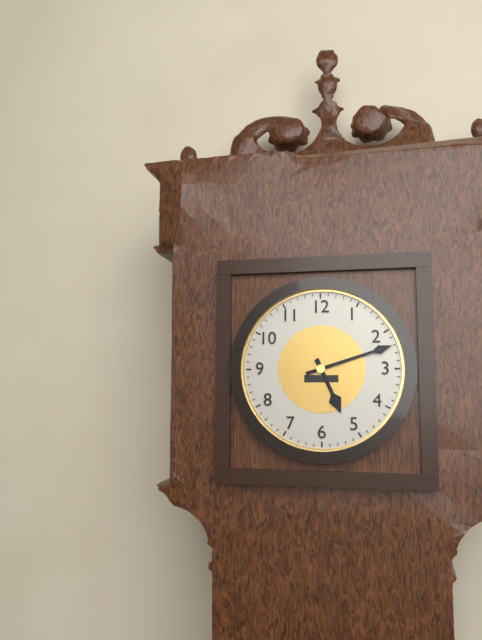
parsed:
5,12
